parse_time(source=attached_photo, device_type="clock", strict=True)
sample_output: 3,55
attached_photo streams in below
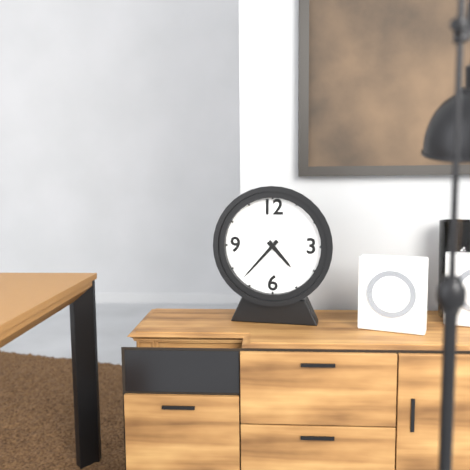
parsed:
4,37
